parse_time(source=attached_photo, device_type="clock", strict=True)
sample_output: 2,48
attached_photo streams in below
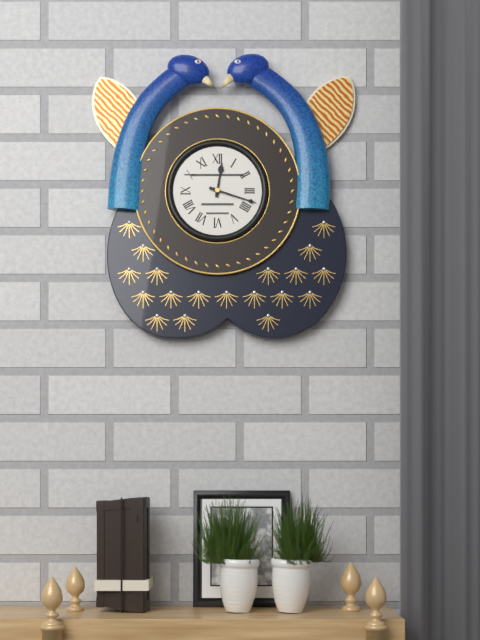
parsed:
12,18
